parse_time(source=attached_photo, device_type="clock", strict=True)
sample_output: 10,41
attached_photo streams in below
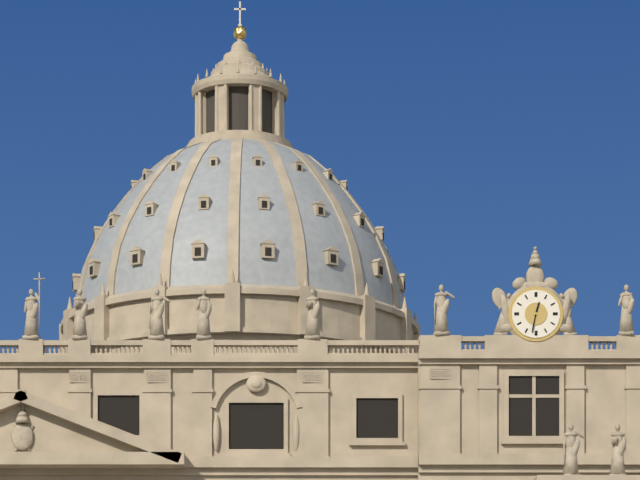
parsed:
12,32
